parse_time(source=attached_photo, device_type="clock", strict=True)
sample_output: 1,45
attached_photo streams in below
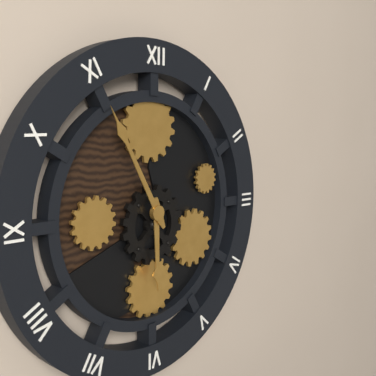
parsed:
5,55
